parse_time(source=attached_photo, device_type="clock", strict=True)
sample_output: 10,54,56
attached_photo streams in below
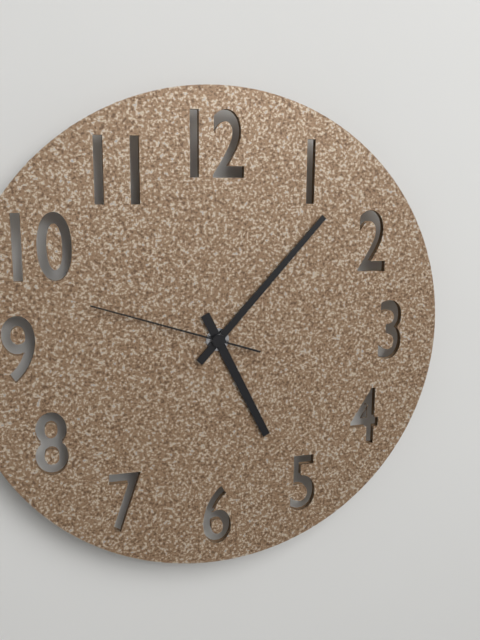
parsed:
5,07,48
